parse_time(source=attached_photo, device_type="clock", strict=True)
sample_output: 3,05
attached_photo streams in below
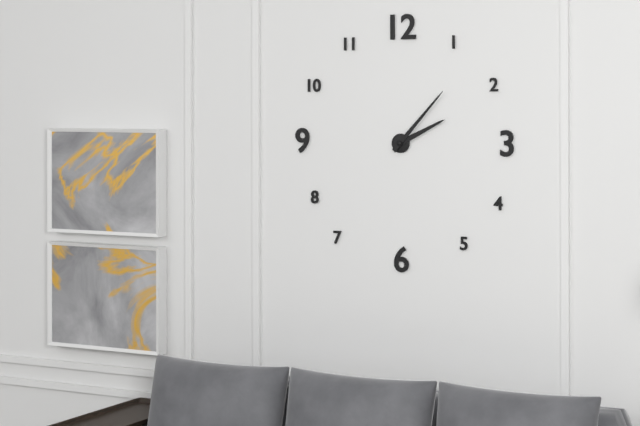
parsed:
2,07
